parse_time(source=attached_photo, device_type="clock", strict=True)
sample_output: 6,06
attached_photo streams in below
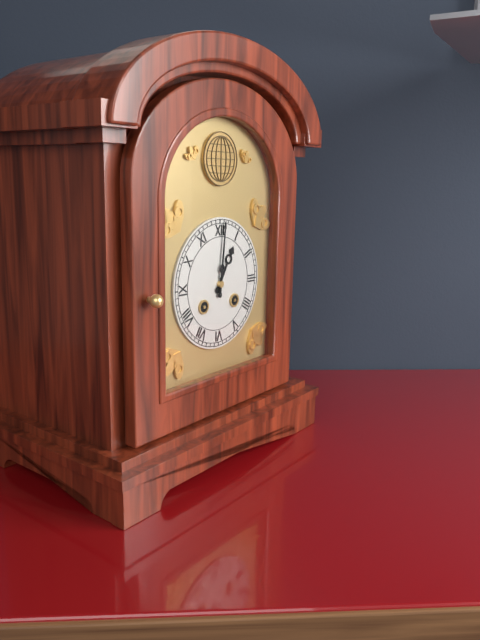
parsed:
1,01
